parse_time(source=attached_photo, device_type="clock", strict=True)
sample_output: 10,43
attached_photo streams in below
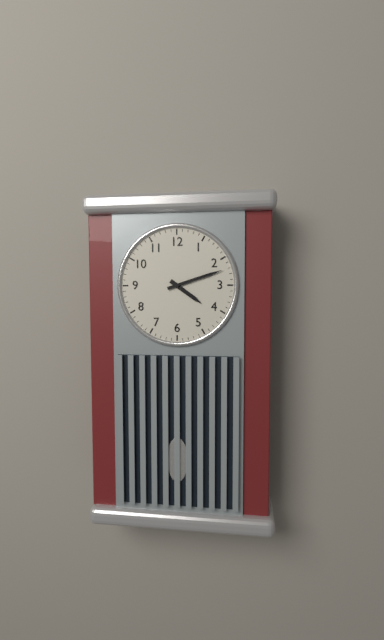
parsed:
4,12
